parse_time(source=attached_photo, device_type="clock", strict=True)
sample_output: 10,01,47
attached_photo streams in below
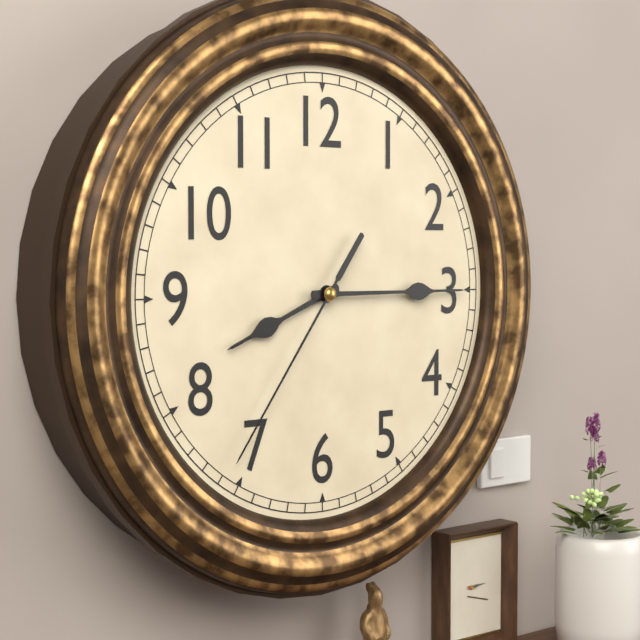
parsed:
8,15,36
